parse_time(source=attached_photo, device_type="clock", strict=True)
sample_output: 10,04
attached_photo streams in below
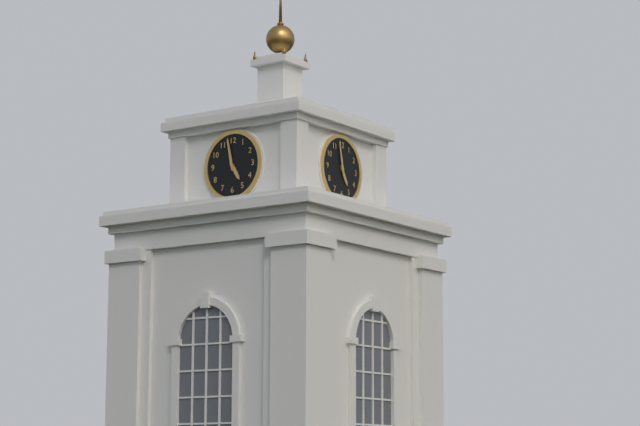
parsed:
4,58
